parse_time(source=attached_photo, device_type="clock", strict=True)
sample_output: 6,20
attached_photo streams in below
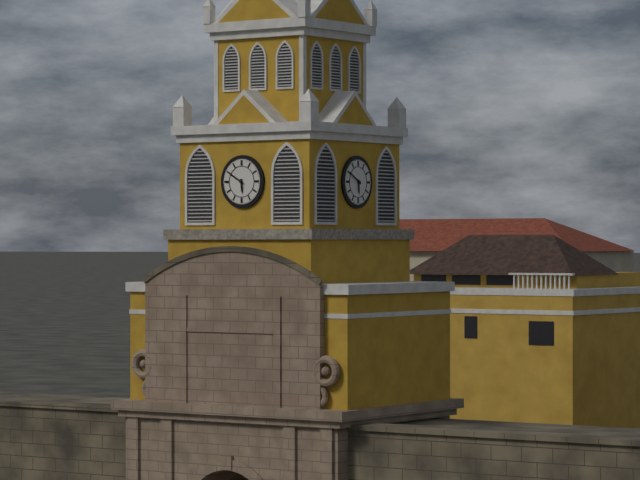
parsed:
5,50
